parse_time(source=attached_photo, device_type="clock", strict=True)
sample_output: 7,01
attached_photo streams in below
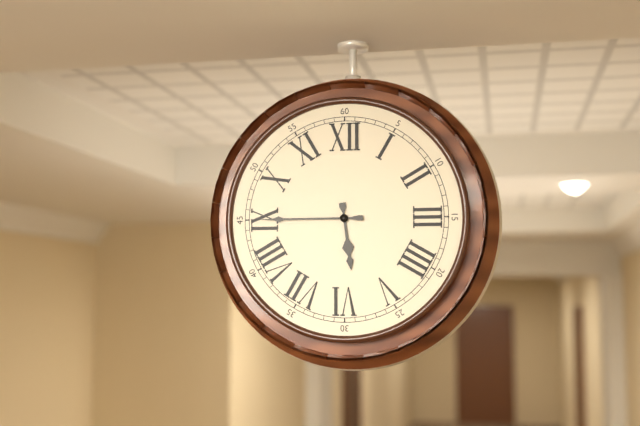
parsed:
5,45
